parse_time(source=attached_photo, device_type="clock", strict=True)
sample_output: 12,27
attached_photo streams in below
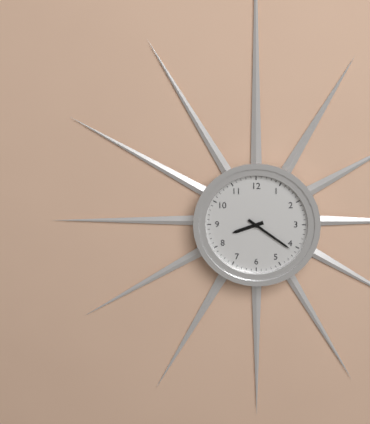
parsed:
8,21
